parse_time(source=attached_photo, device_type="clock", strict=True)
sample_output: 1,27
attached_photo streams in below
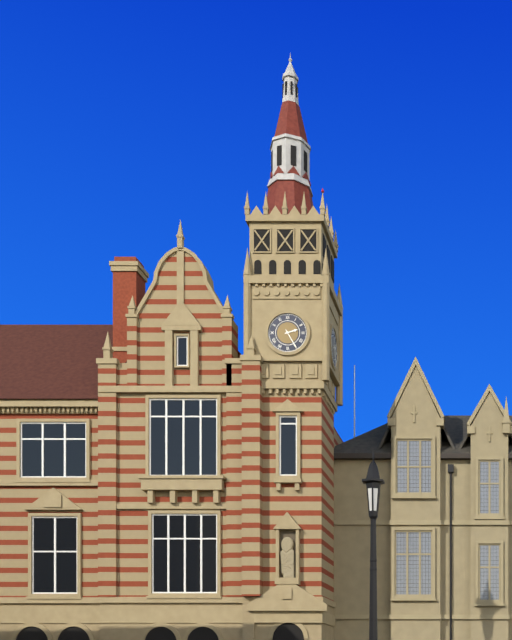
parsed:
2,25
